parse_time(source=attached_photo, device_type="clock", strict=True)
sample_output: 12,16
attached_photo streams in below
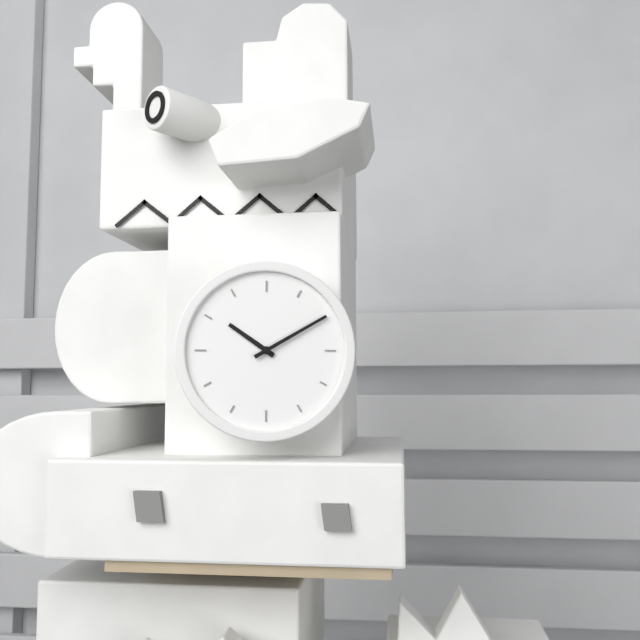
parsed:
10,10
